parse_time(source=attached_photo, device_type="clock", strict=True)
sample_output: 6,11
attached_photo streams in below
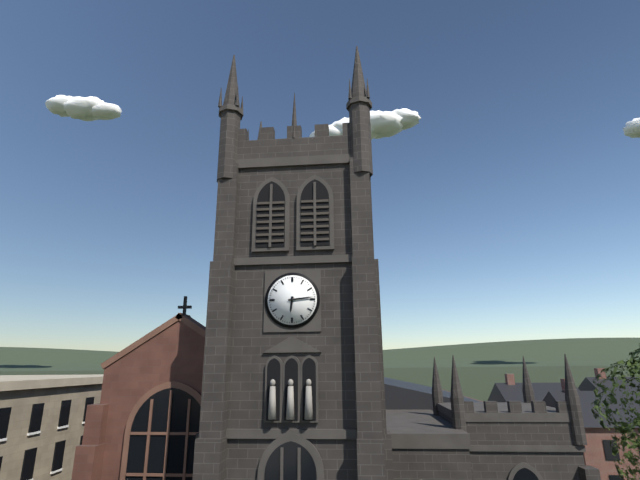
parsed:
6,14
